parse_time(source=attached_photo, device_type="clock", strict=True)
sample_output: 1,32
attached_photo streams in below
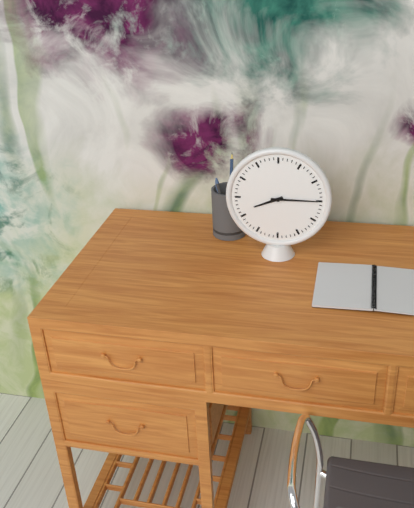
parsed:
8,15
